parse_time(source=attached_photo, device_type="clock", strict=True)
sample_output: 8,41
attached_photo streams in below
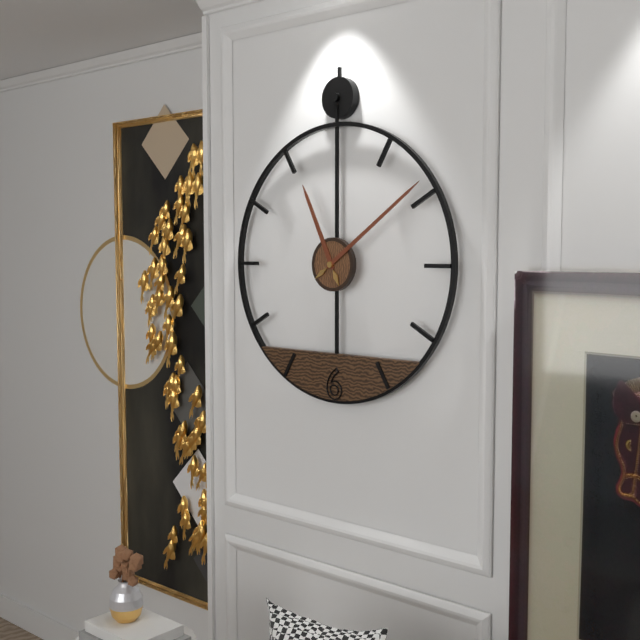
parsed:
11,09
